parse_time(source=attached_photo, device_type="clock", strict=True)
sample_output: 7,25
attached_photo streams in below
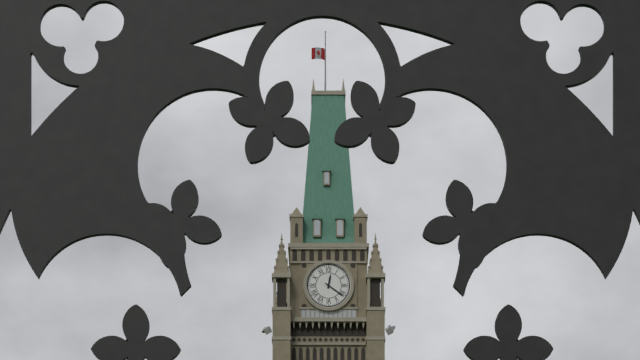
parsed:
12,21
